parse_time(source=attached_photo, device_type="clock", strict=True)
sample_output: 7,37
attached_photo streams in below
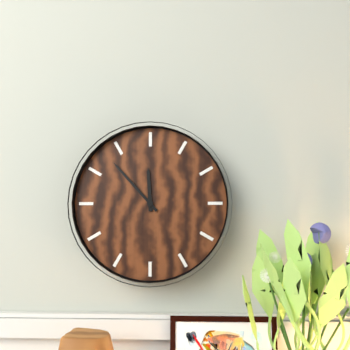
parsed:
11,53
